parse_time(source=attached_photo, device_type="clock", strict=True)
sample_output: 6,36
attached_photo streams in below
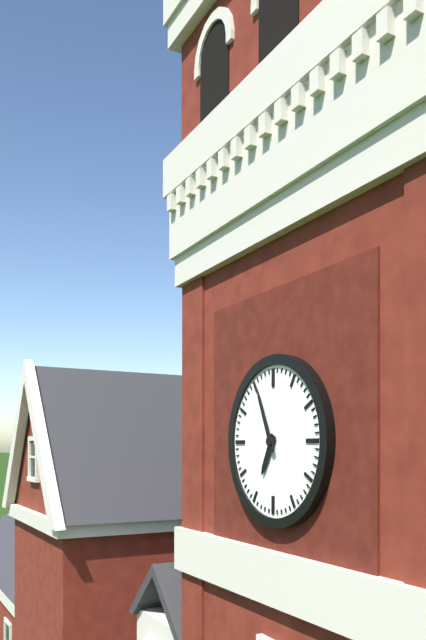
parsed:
6,56
